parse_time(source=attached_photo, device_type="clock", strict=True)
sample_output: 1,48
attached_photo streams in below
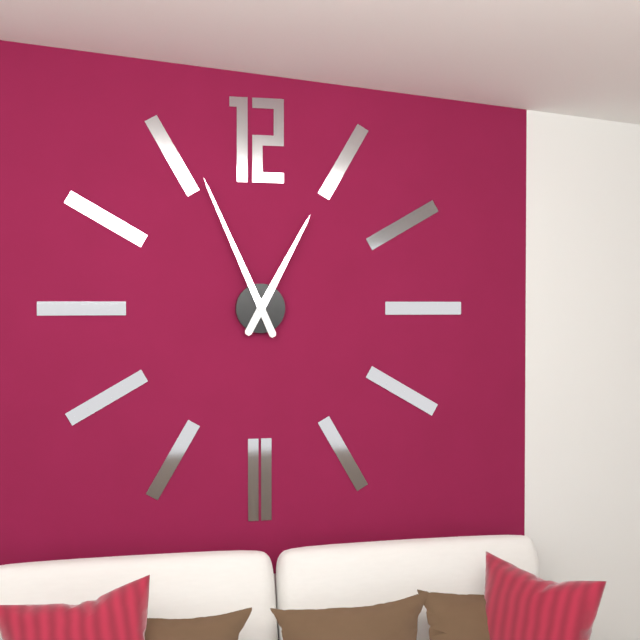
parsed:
12,56
